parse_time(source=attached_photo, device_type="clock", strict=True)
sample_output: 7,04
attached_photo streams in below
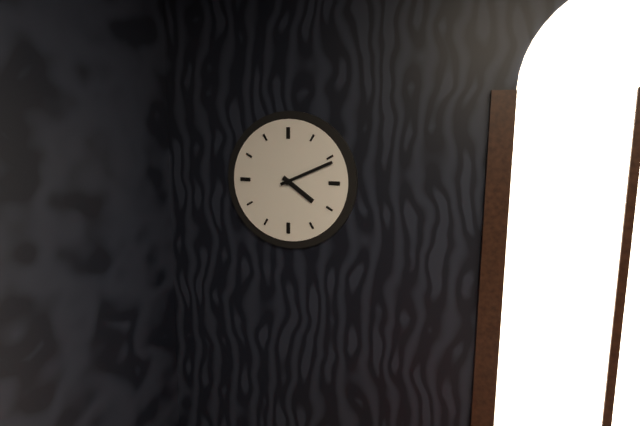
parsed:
4,11
